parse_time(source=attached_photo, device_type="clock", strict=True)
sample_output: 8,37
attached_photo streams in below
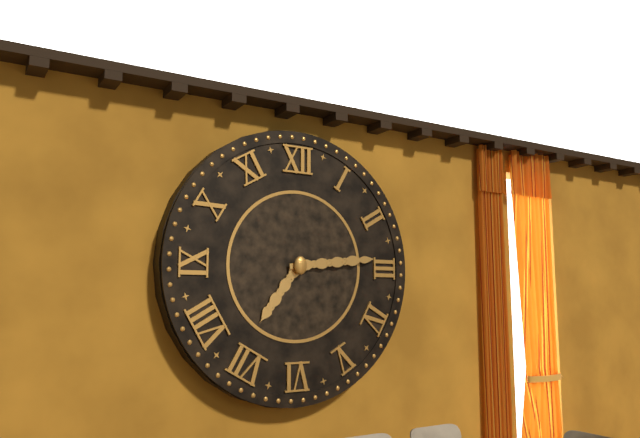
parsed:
7,14
